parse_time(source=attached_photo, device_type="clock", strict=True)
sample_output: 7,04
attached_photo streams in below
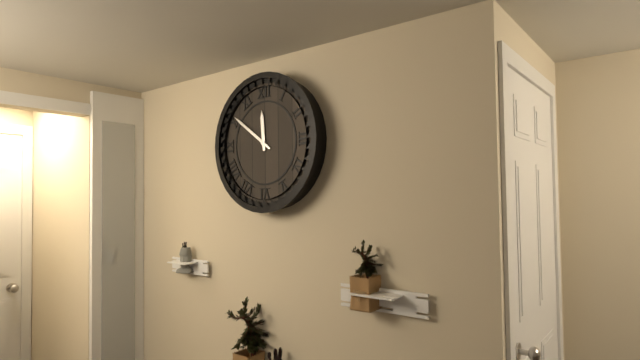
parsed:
11,51
